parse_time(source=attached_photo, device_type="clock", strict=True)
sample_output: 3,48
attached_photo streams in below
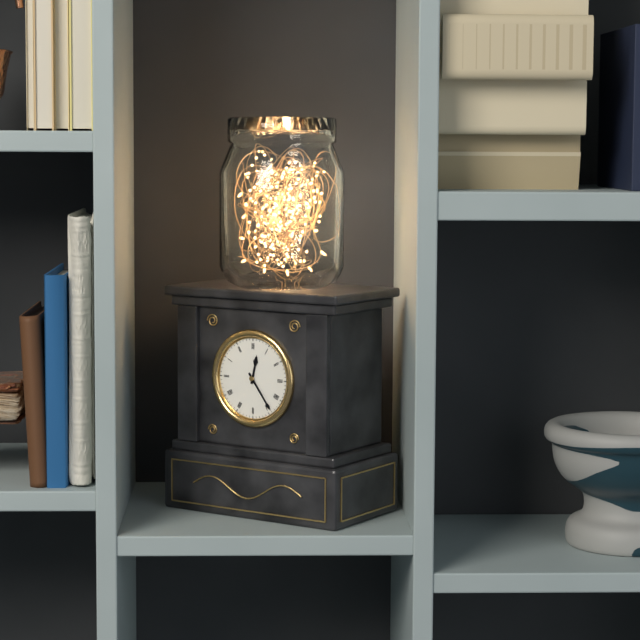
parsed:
12,24
